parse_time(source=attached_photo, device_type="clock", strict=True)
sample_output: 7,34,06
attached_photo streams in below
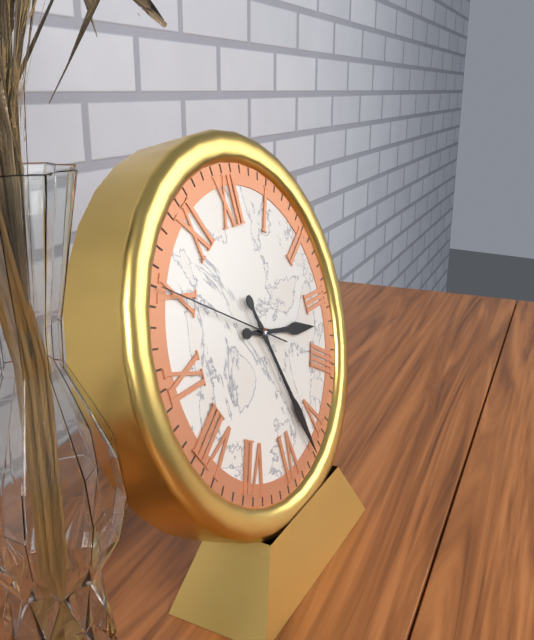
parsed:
3,27,50
